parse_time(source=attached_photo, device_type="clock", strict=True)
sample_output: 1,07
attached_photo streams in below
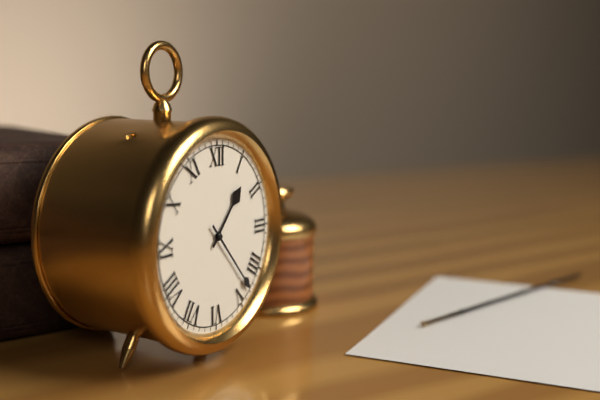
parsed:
1,23
